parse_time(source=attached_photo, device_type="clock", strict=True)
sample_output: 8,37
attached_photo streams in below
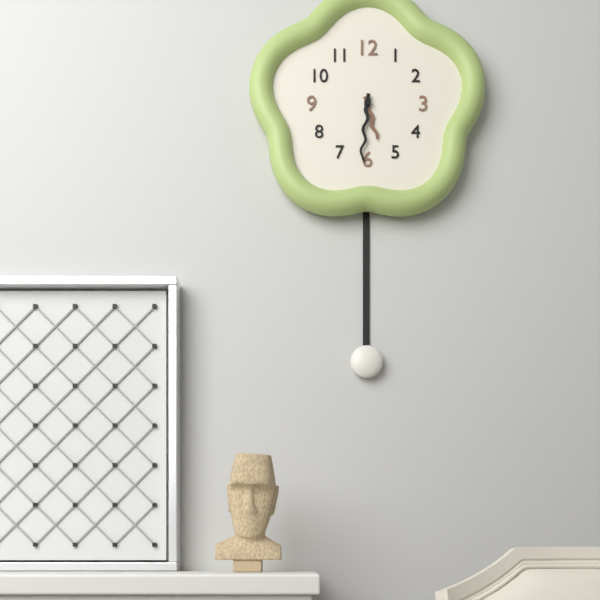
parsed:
5,31
